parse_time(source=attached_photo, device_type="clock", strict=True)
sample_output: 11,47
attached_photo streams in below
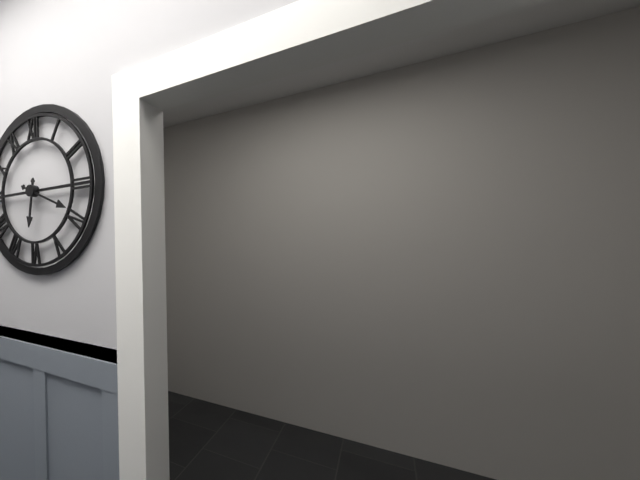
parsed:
6,19
